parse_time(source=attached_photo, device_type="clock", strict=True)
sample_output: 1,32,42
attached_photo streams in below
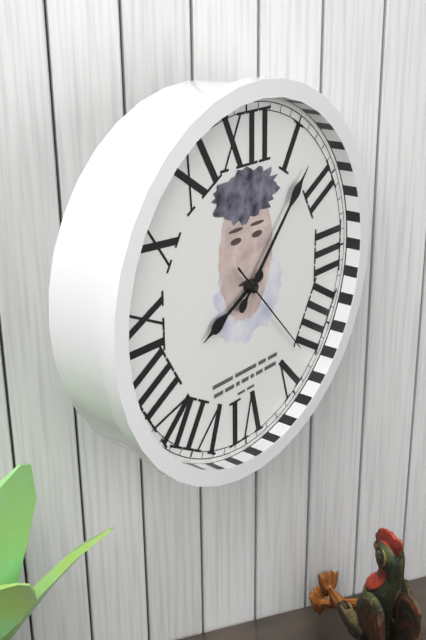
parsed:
8,07,23
